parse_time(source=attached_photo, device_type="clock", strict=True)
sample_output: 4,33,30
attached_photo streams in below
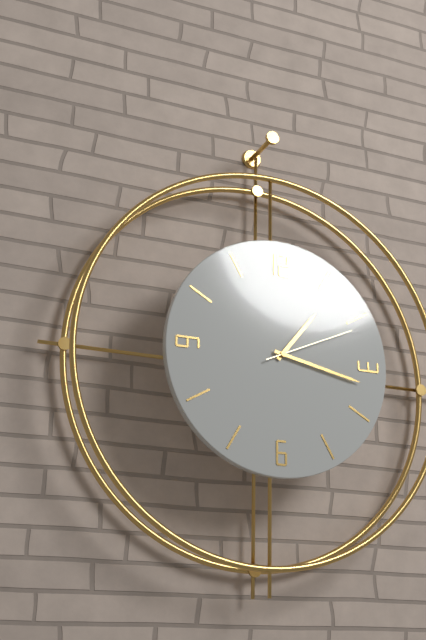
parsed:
1,17,11
